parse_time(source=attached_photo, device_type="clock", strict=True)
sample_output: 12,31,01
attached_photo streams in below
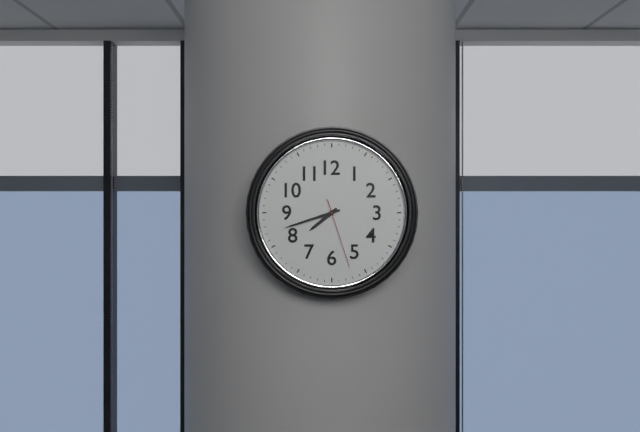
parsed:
7,42,27
